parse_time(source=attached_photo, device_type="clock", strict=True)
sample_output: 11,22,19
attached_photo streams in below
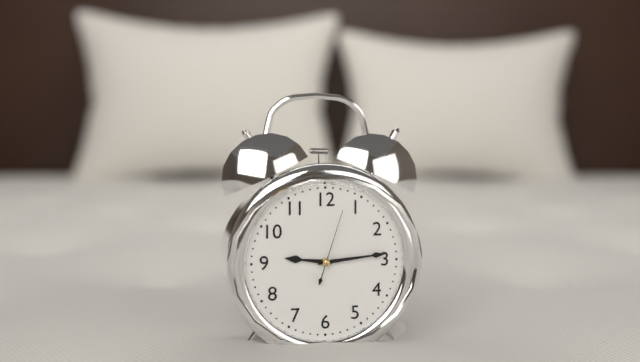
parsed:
9,14,03
